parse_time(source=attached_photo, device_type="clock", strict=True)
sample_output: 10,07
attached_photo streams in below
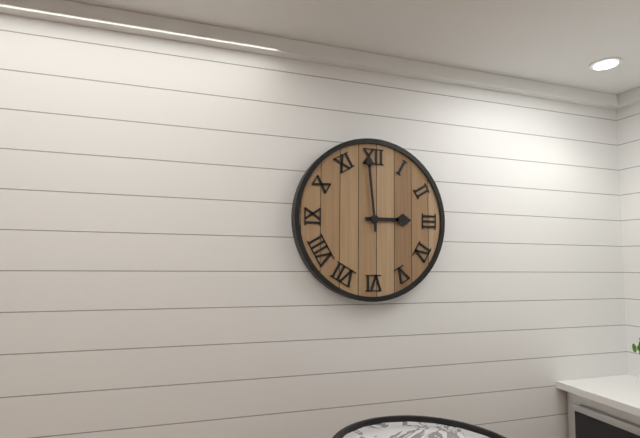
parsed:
2,59
